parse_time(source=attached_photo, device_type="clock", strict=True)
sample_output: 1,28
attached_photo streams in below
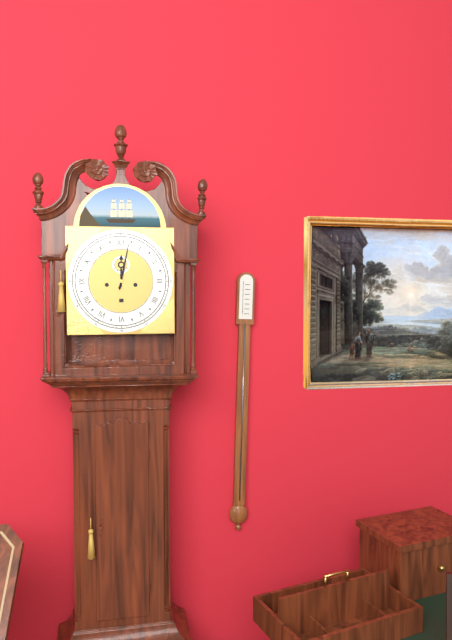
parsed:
12,02
